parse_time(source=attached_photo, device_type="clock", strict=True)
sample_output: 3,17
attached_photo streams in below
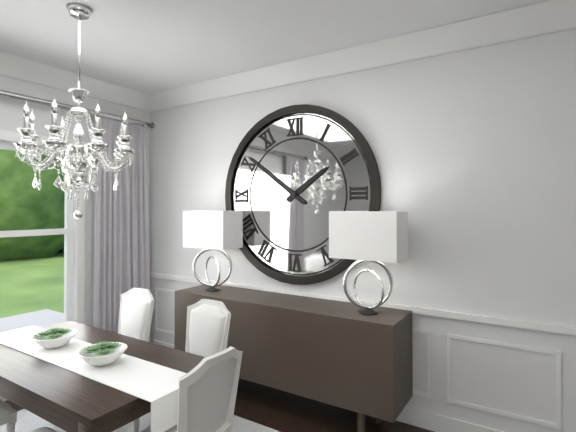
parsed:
1,51
